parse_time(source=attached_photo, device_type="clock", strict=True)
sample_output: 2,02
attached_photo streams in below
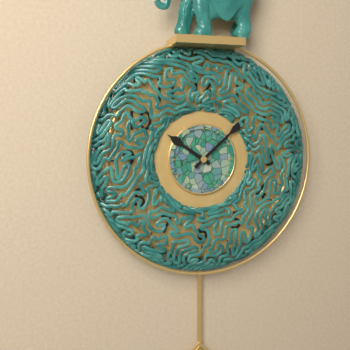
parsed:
10,08
